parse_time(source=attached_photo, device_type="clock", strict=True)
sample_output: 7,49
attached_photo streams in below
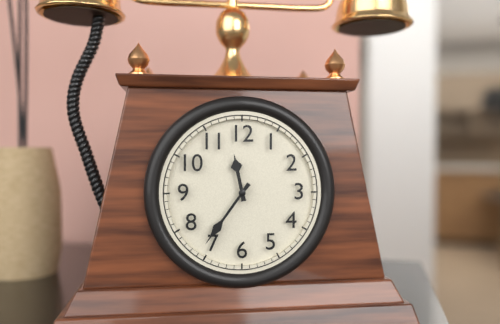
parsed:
11,36
